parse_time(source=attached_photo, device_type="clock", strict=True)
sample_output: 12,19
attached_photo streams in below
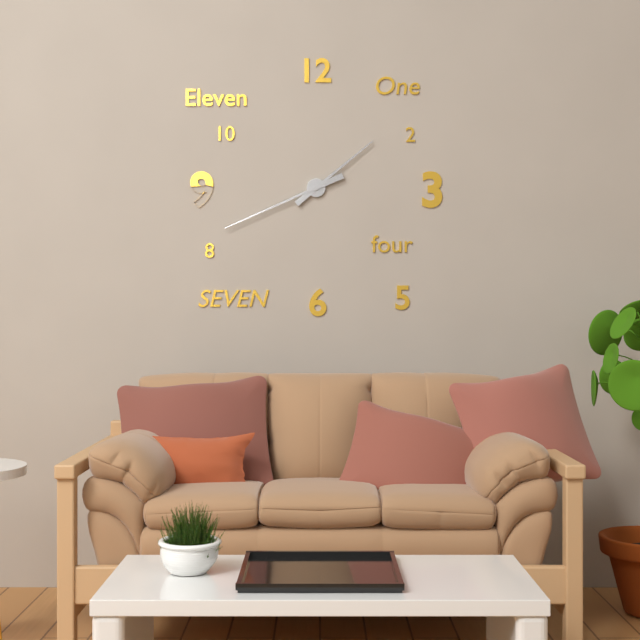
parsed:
1,41
